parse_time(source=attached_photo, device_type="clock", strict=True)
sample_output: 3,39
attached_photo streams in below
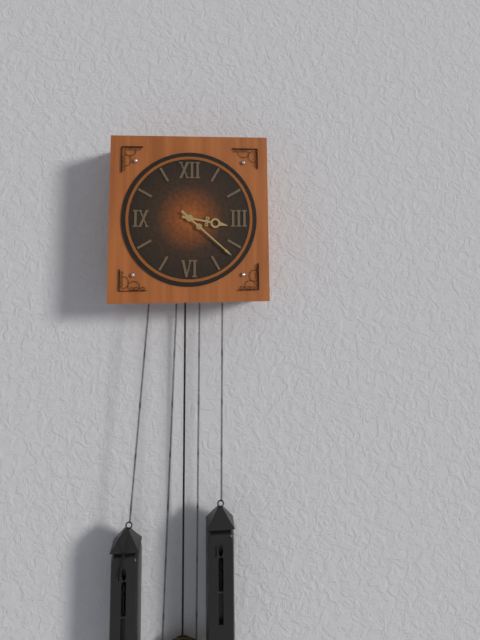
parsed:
3,22
